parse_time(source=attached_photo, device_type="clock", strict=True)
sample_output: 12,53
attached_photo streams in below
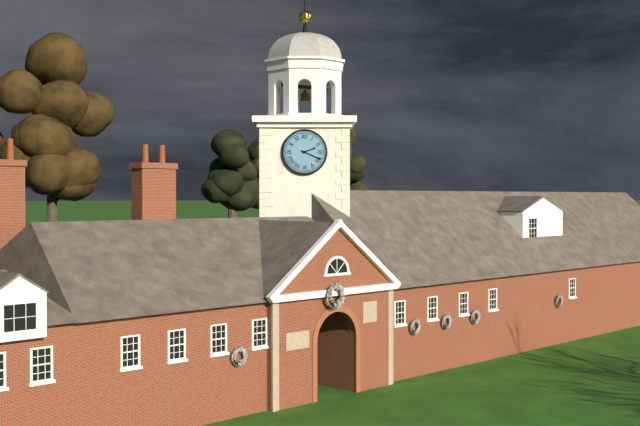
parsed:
2,19
